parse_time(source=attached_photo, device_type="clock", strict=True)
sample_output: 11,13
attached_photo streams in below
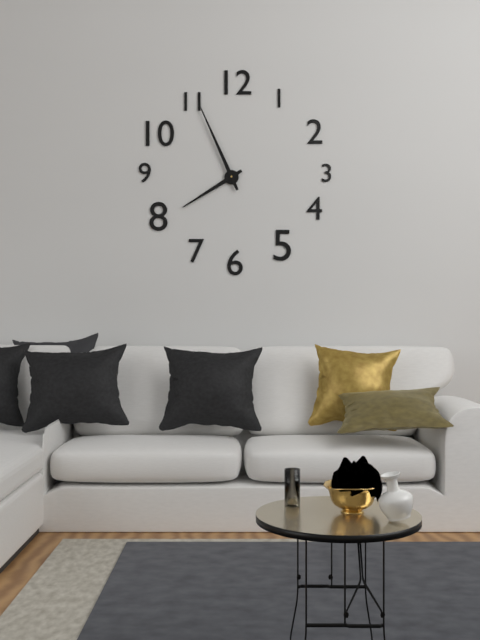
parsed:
7,56
